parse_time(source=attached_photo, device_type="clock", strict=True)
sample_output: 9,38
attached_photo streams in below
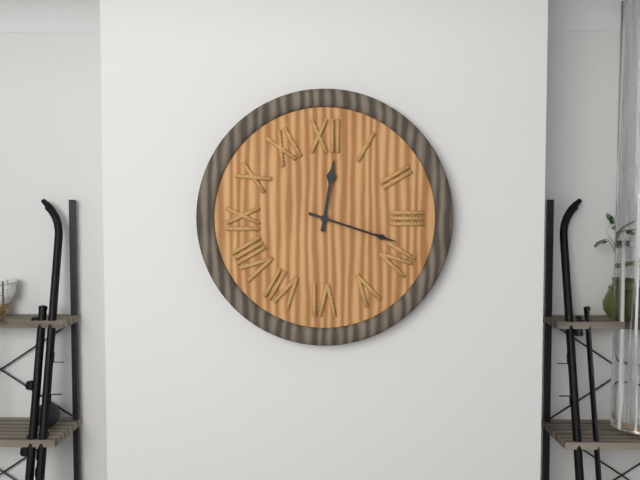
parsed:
12,18
